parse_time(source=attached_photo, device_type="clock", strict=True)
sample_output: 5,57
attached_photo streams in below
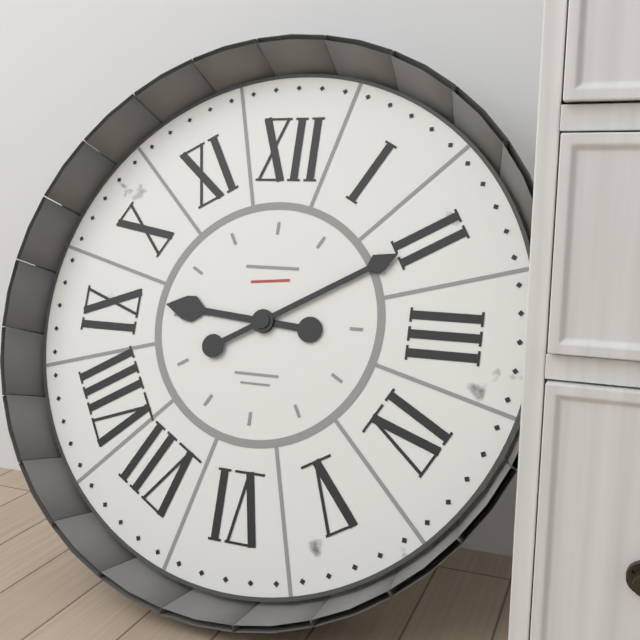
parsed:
9,10
